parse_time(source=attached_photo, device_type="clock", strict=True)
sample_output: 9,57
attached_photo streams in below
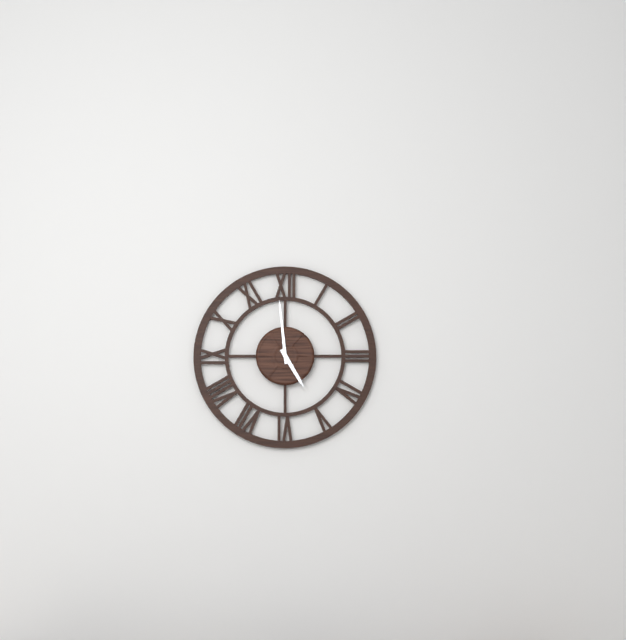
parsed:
4,59
